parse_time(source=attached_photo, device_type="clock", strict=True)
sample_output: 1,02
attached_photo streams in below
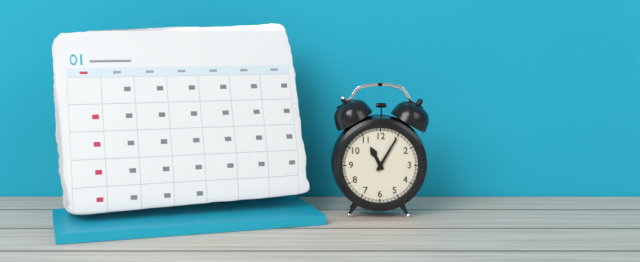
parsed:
11,05
